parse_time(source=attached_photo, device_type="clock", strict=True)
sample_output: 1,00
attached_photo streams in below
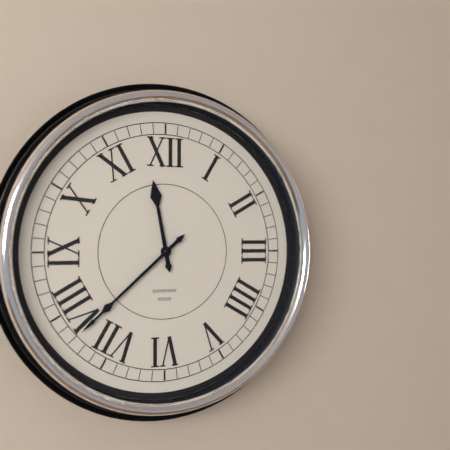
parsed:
11,38
